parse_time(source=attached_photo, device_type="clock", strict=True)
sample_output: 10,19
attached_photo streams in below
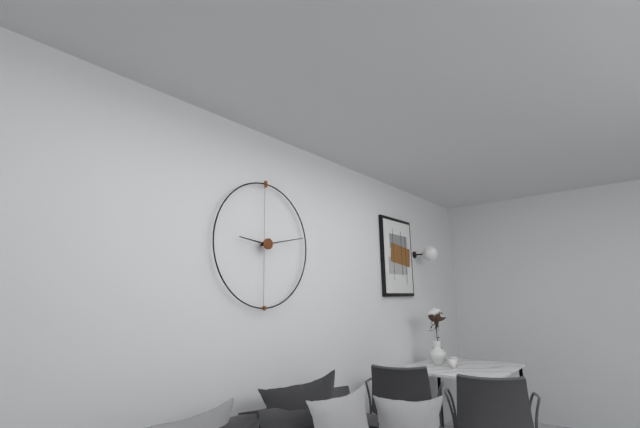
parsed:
9,13
